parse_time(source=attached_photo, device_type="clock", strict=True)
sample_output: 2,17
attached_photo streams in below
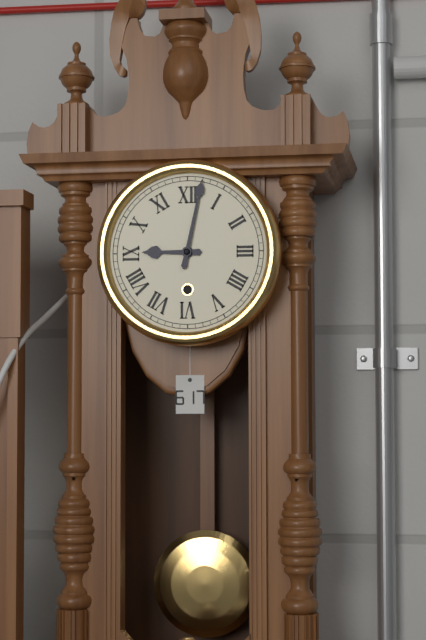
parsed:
9,02
